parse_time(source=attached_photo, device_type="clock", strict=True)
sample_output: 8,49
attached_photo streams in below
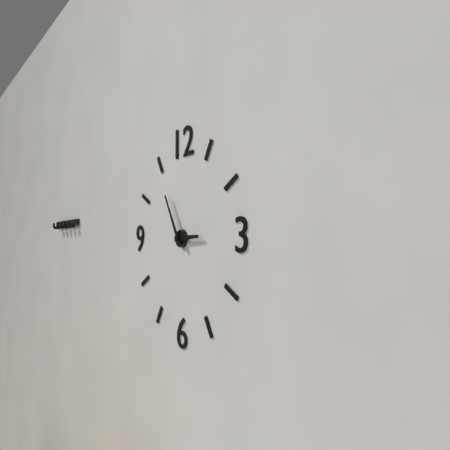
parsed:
2,55
